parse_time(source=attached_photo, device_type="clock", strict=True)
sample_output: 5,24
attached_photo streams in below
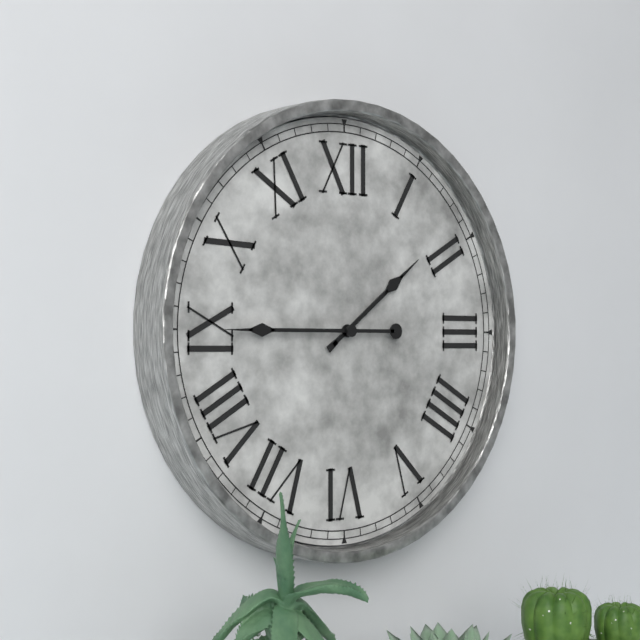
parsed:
1,45
